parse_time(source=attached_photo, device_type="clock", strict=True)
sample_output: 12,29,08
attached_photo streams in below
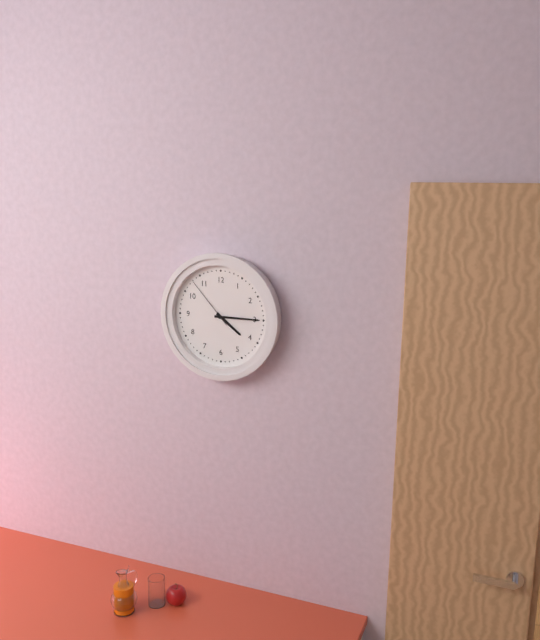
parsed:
4,15,53
